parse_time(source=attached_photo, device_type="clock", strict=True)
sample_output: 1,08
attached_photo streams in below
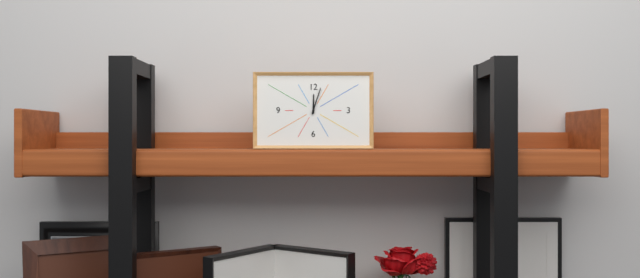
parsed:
12,03
